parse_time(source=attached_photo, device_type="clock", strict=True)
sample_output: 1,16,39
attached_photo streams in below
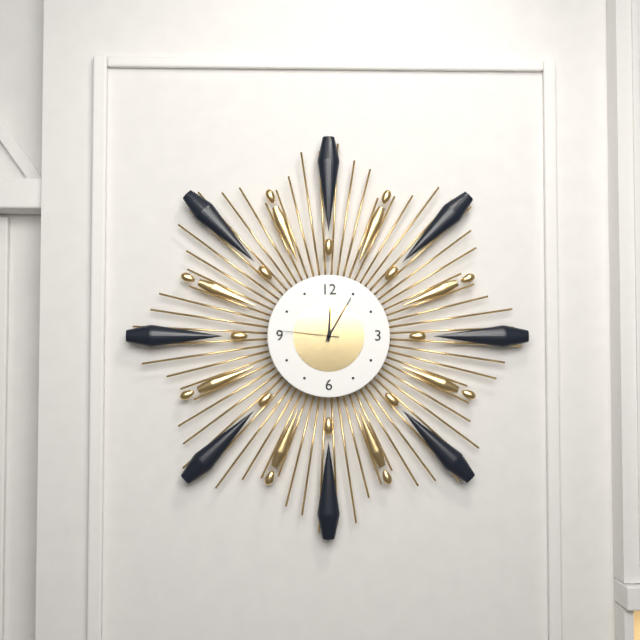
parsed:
12,05,46
